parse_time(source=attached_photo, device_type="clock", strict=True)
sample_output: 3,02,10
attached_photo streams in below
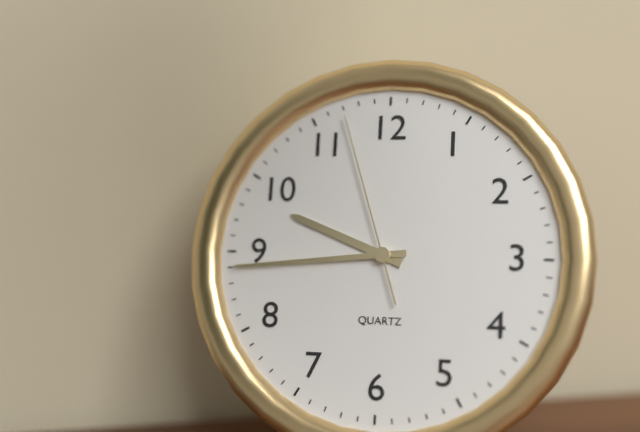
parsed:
9,44,57
